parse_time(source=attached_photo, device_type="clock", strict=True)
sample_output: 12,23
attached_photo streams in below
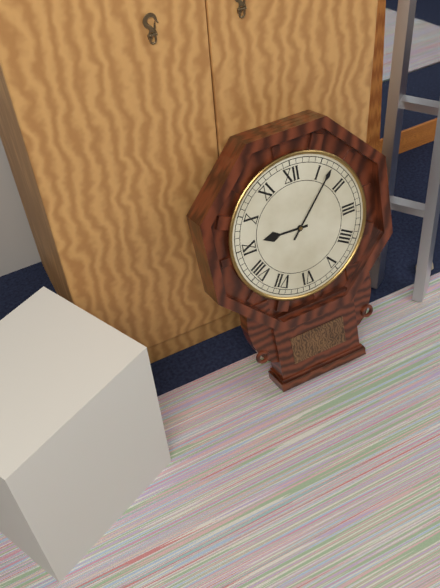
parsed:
9,07
